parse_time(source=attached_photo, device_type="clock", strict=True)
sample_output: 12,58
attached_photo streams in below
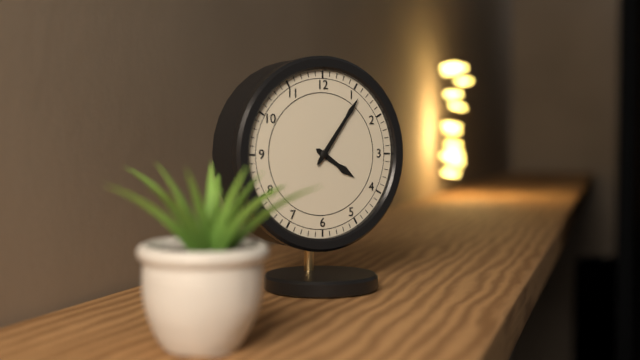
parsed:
4,06
